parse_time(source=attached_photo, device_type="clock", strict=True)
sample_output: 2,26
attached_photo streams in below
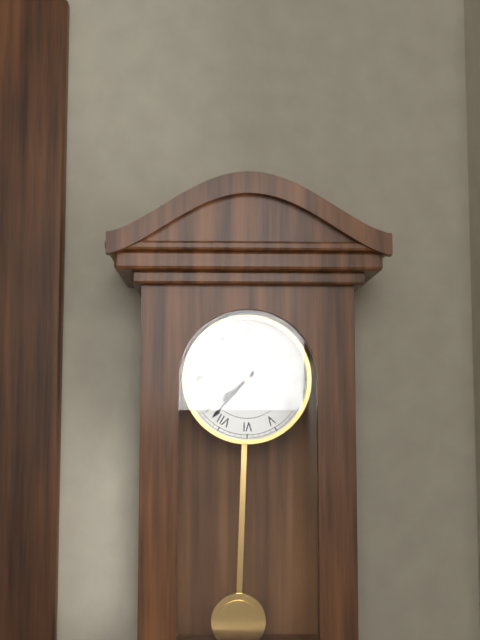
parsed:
7,37
